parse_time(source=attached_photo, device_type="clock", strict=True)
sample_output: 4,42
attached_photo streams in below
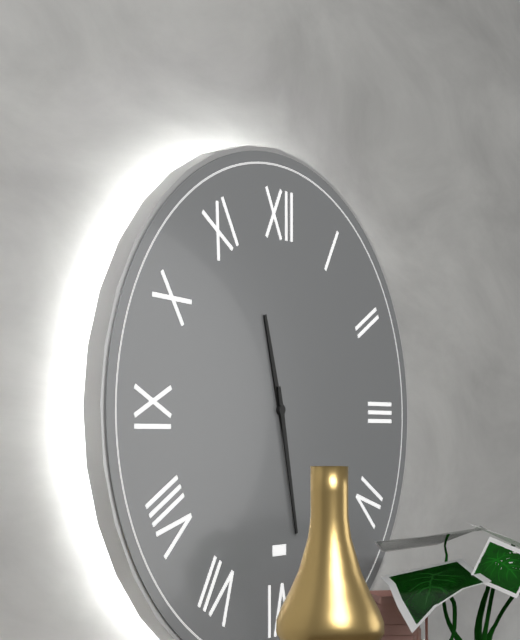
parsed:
11,28
